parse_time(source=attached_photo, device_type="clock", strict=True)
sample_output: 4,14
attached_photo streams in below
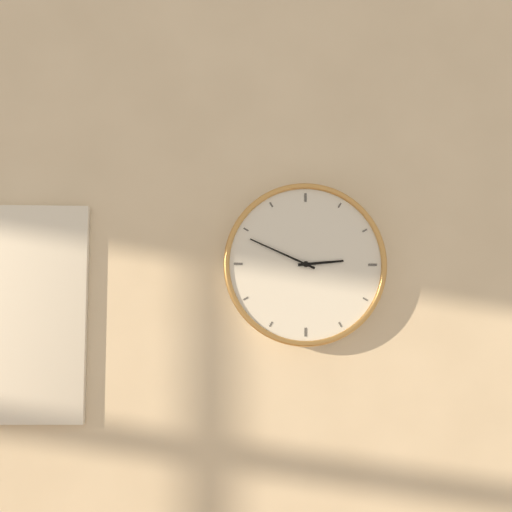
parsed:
2,49
